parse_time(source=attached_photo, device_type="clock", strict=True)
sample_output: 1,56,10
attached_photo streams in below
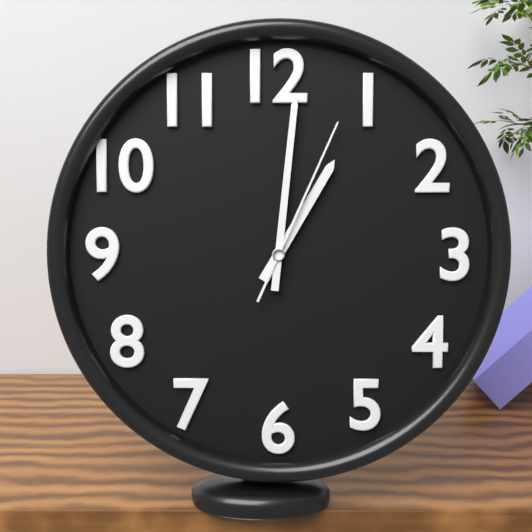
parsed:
1,01,04
